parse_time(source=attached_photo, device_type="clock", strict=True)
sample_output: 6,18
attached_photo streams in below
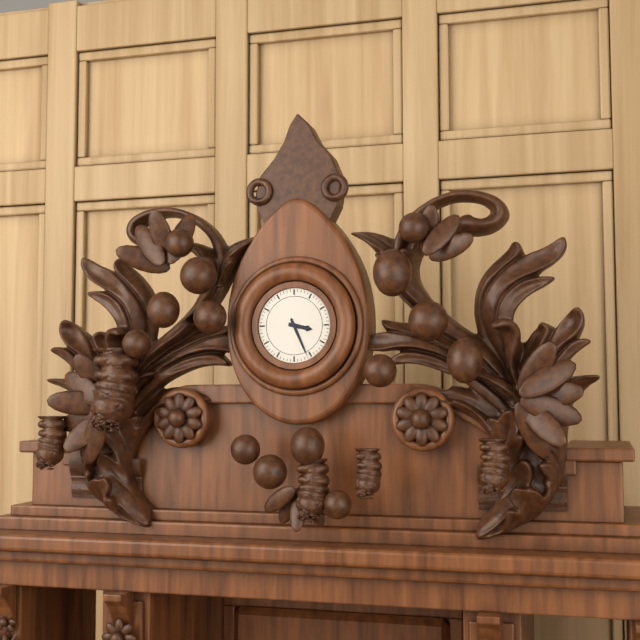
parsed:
3,26
